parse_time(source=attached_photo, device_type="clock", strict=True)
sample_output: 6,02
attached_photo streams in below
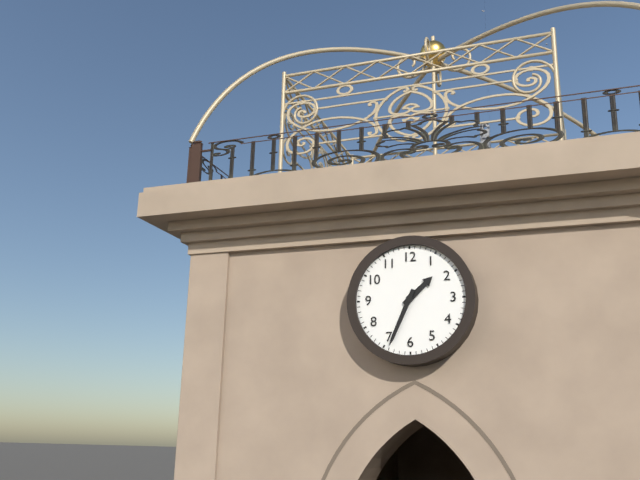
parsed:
1,34
